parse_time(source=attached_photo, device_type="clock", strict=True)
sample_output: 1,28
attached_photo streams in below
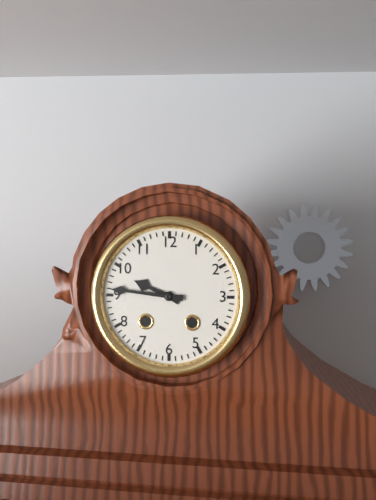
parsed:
9,46
